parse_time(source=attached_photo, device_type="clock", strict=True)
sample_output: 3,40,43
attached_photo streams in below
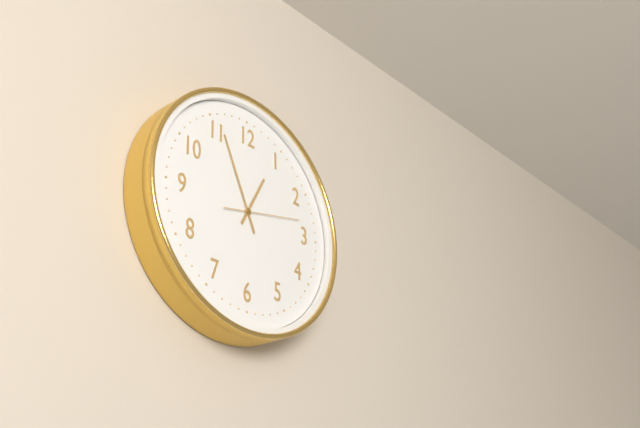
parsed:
12,56,13
